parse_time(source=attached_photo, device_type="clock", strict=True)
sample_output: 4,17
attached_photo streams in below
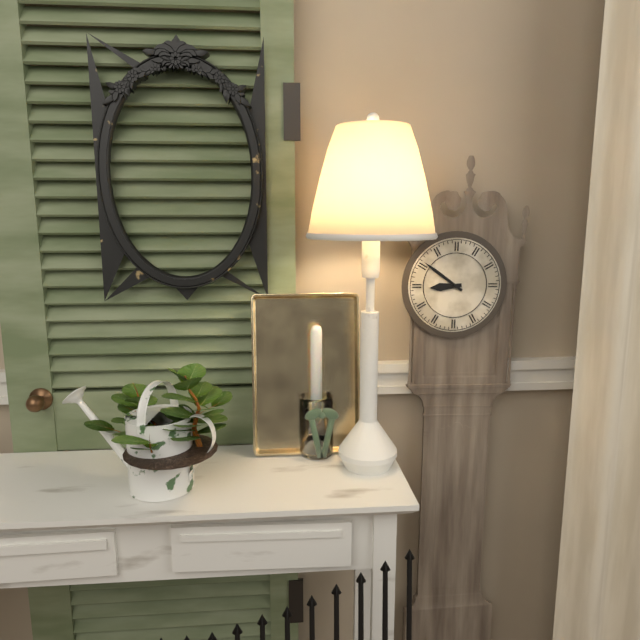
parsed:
8,51
